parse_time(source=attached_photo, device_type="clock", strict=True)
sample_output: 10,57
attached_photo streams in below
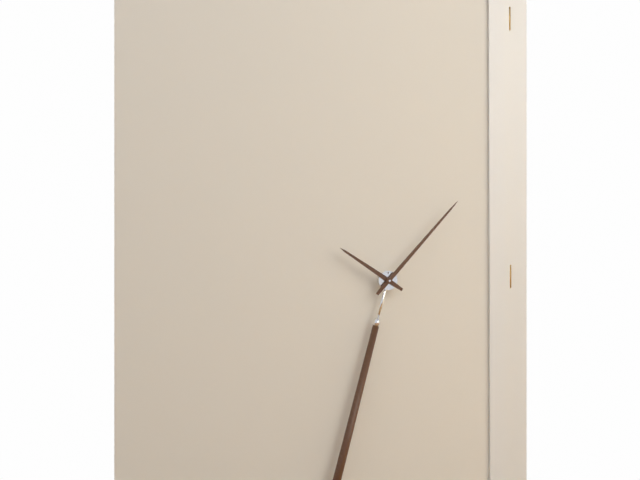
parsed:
10,07
